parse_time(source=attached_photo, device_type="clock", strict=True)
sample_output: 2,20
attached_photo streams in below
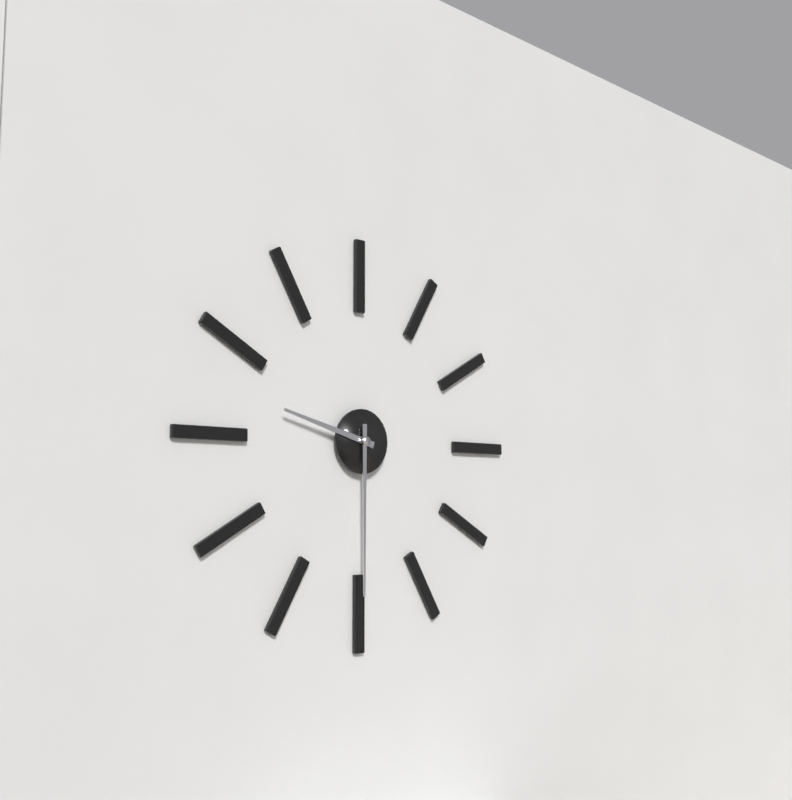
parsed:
9,30
